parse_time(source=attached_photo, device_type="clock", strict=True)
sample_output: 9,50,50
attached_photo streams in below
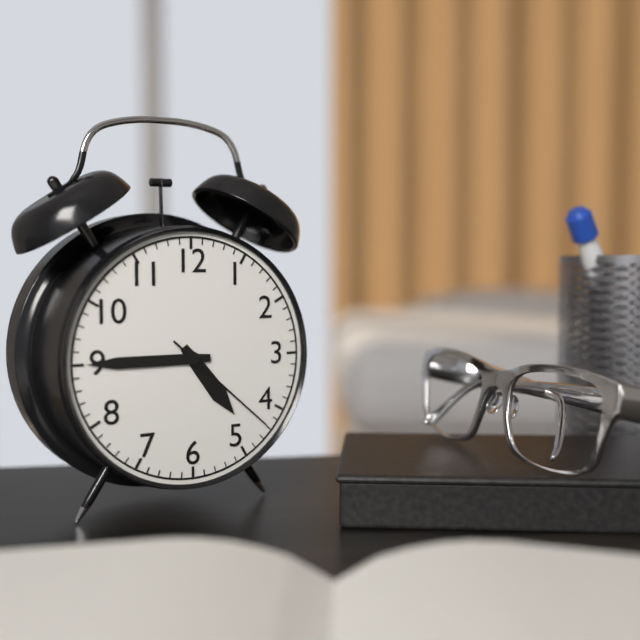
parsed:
4,45,22
